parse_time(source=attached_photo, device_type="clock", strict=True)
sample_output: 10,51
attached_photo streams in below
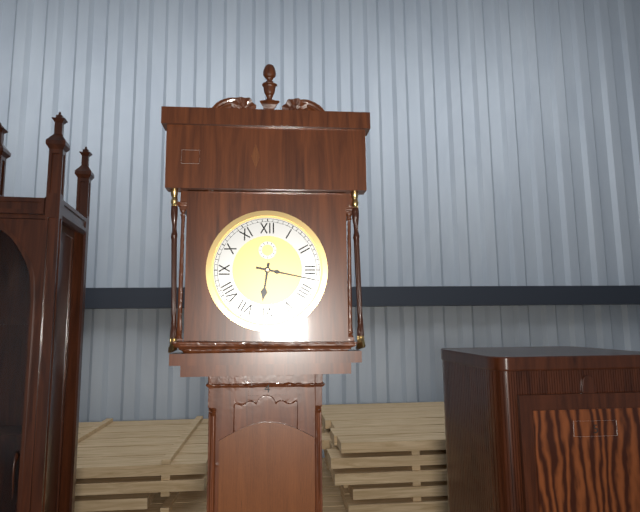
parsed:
6,17
